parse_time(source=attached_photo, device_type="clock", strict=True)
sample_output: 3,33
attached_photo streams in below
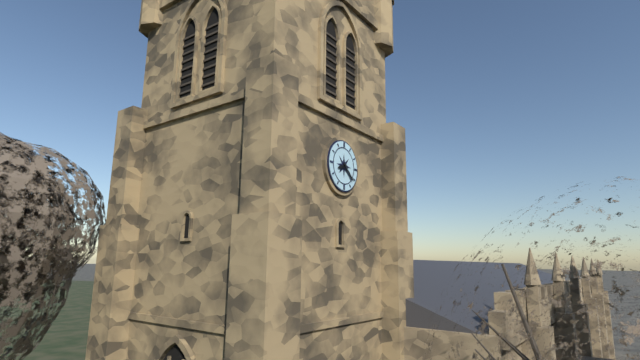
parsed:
8,22
